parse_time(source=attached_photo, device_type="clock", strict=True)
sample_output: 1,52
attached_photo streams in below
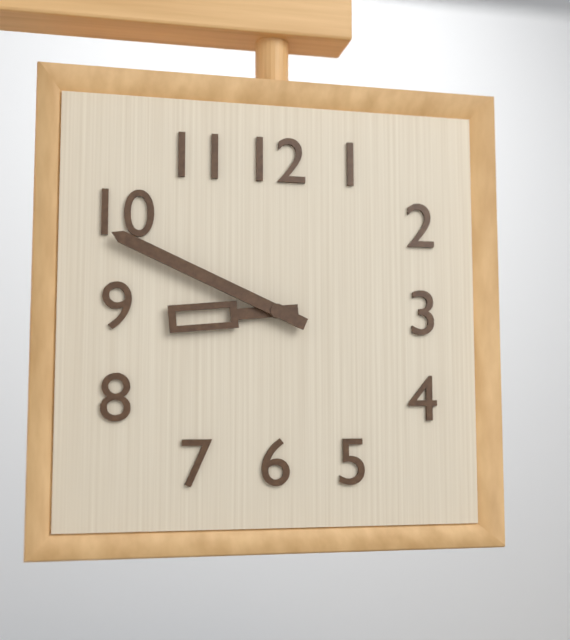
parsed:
8,49
